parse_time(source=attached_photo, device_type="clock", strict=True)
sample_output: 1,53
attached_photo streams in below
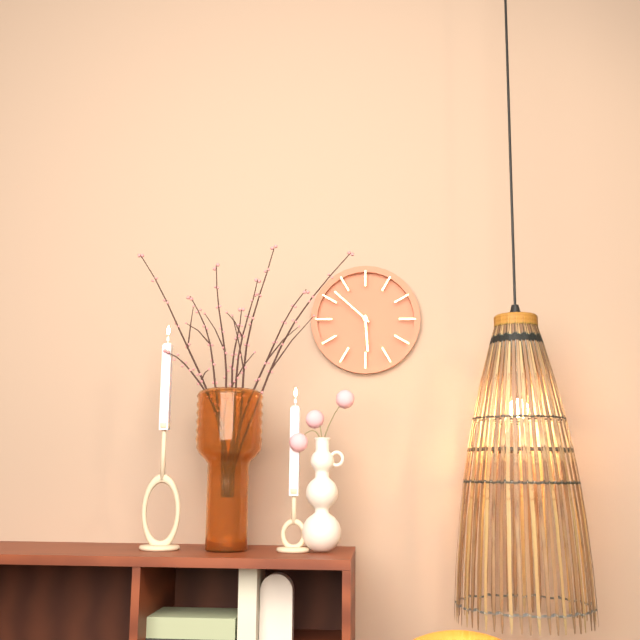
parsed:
5,52
